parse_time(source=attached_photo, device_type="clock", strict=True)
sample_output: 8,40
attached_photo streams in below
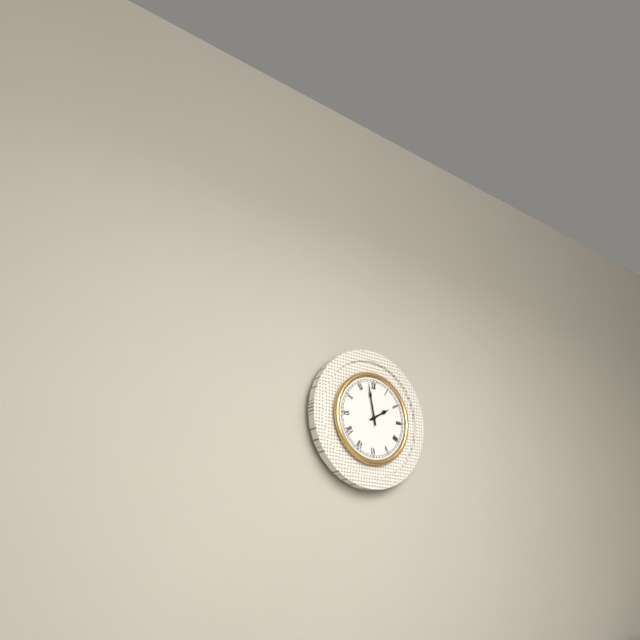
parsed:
1,58
